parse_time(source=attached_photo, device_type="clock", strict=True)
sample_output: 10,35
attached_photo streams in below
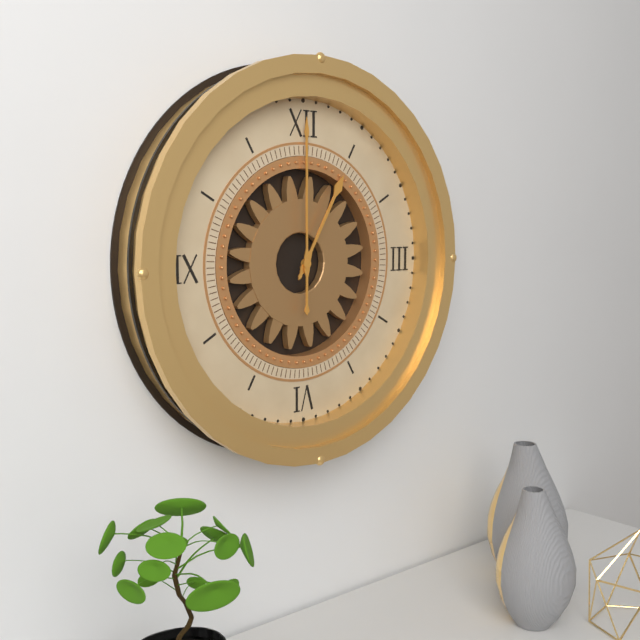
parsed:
1,00
